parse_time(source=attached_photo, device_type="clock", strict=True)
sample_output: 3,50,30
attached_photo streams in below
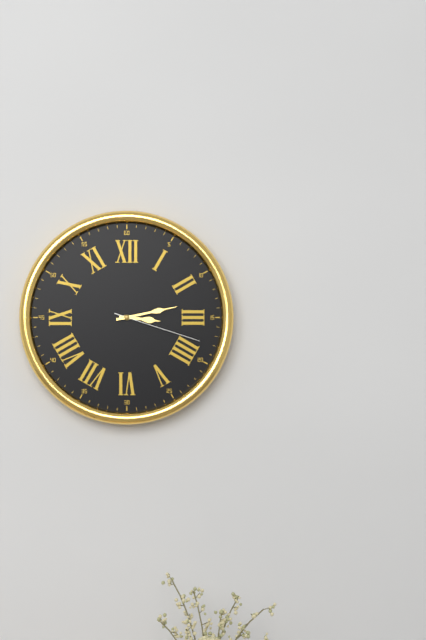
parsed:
3,13,18
